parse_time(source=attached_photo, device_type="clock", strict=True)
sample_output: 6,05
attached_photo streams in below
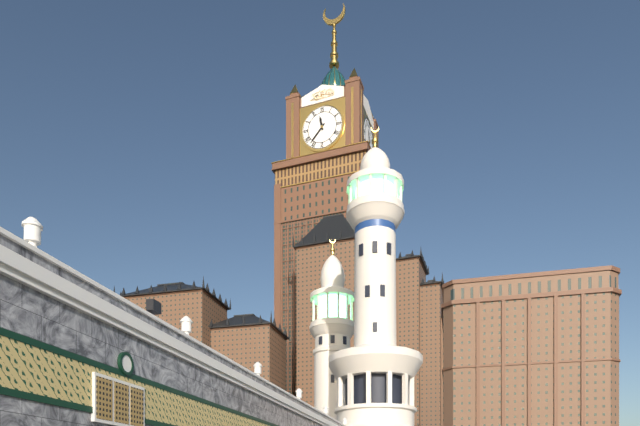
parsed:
11,37
